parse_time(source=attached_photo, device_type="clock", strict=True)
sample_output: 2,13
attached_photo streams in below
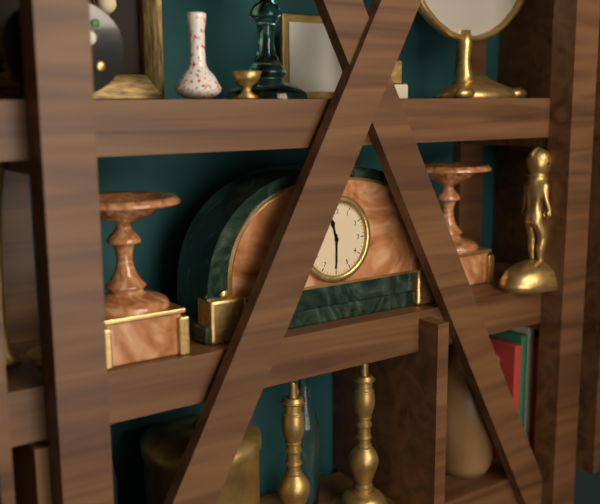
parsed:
11,30
